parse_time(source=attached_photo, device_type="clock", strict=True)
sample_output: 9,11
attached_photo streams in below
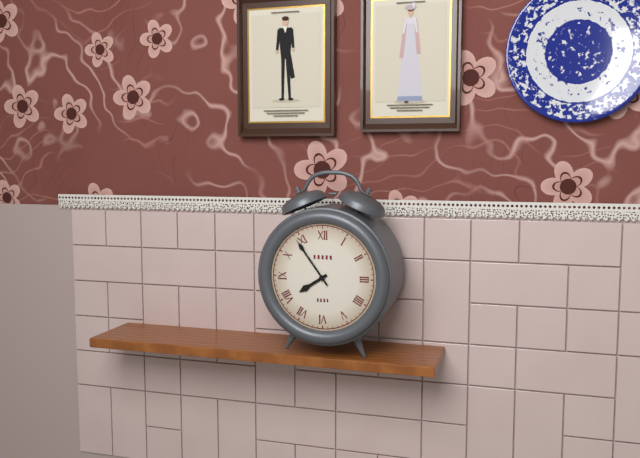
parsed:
7,54
